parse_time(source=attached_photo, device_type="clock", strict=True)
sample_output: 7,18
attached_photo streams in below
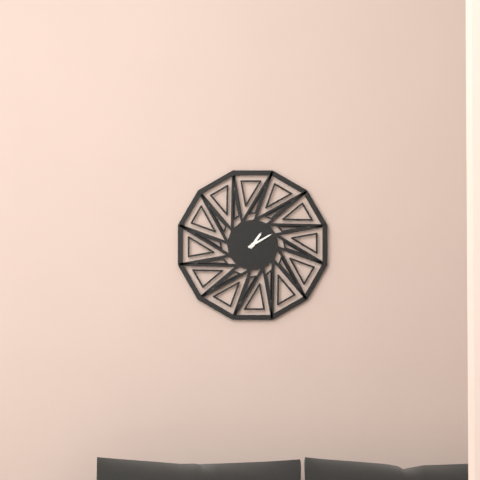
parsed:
1,10
